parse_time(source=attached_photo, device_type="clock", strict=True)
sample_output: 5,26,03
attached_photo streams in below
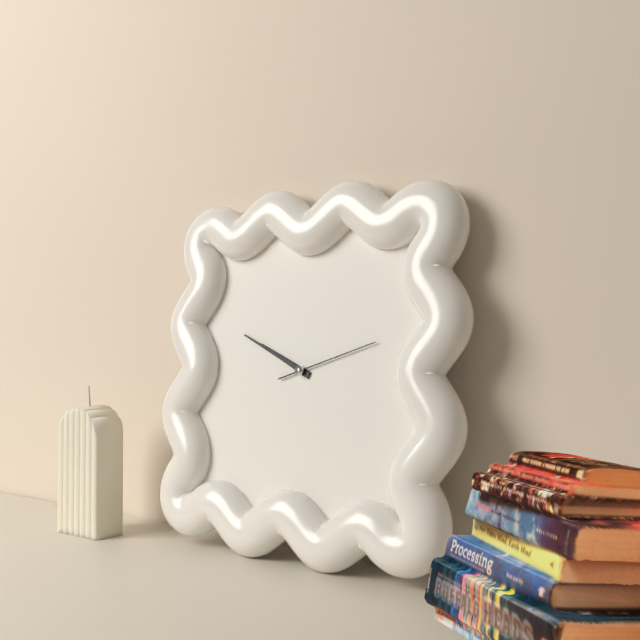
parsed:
9,49,12
